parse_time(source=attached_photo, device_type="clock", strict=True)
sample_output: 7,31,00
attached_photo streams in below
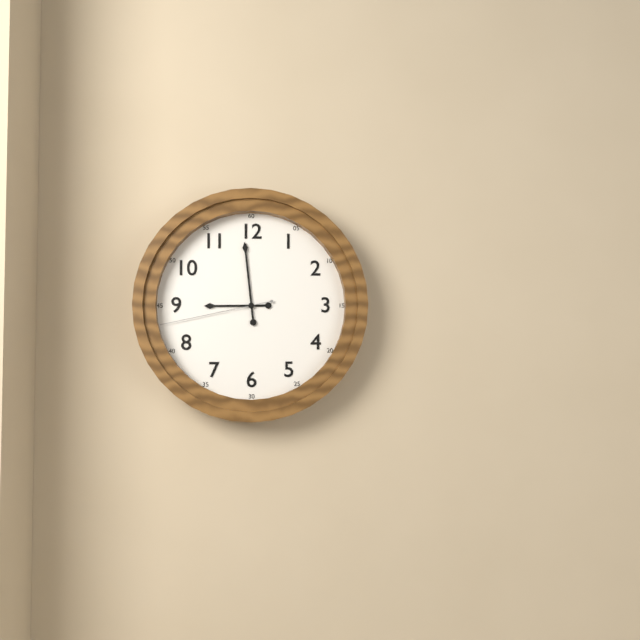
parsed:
8,59,43
